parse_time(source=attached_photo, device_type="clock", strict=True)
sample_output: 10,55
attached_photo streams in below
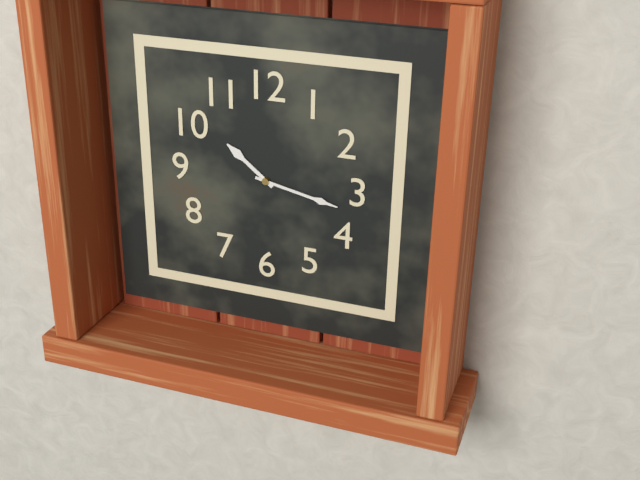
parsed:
10,17
